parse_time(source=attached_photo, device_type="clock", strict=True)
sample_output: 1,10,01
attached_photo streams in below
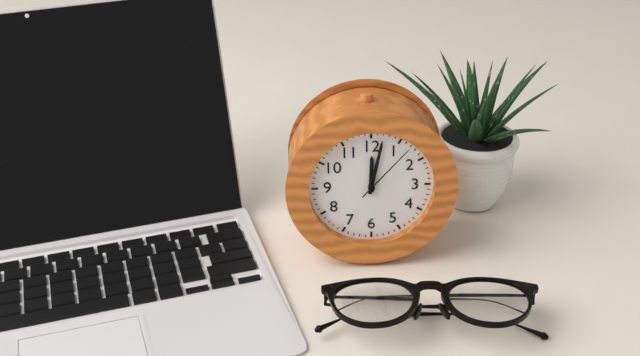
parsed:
12,02,07
